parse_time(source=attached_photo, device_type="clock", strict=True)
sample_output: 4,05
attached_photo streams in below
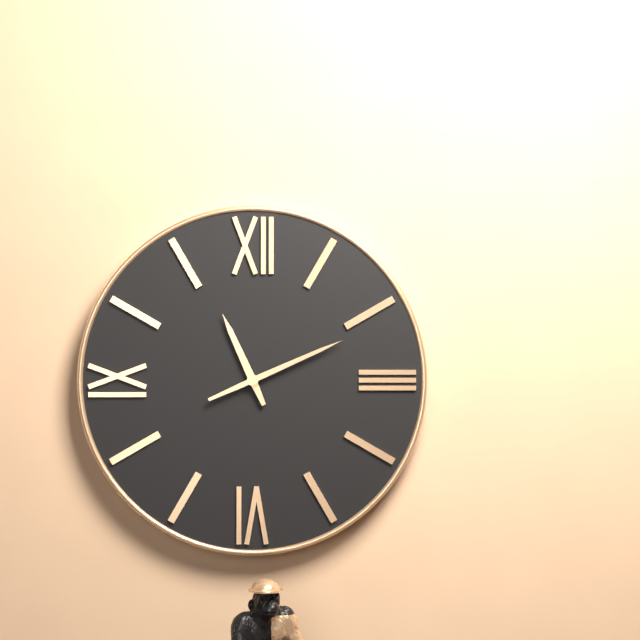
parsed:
11,11
